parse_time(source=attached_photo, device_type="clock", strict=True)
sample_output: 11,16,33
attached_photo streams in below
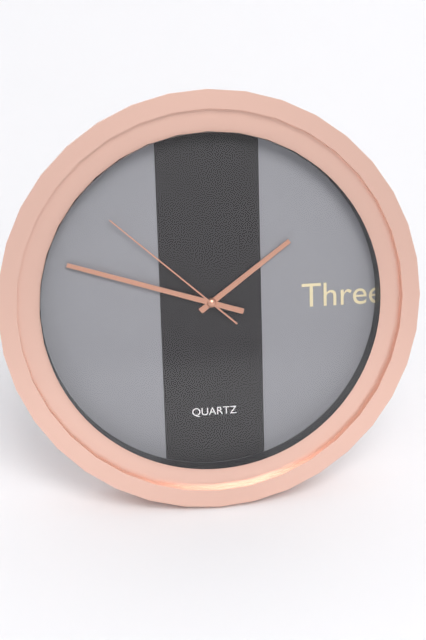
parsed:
1,48,52
